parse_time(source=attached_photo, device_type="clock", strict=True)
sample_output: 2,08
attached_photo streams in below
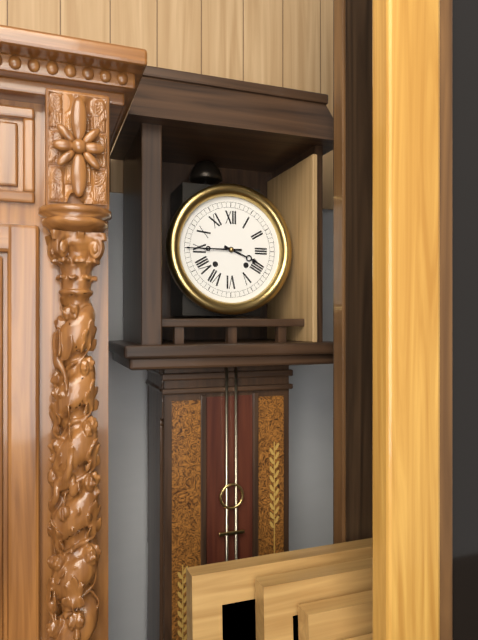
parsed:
3,45
